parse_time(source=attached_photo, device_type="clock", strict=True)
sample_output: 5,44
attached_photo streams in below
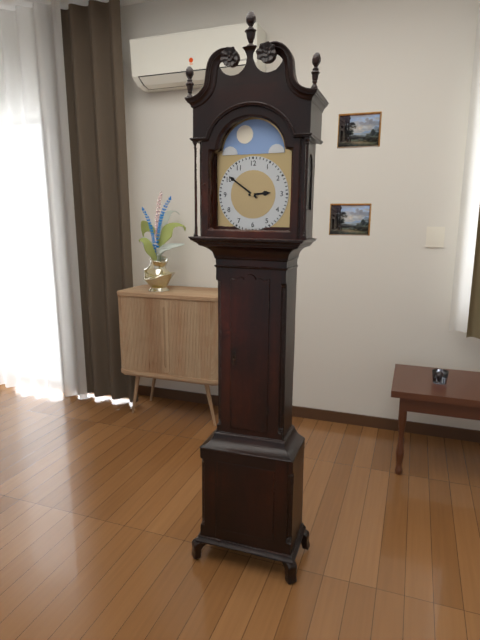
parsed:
2,51
